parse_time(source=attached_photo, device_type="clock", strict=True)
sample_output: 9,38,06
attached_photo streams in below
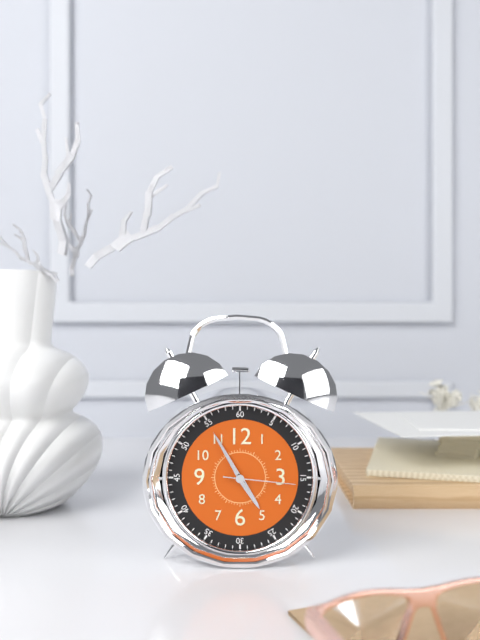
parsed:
4,55,16
